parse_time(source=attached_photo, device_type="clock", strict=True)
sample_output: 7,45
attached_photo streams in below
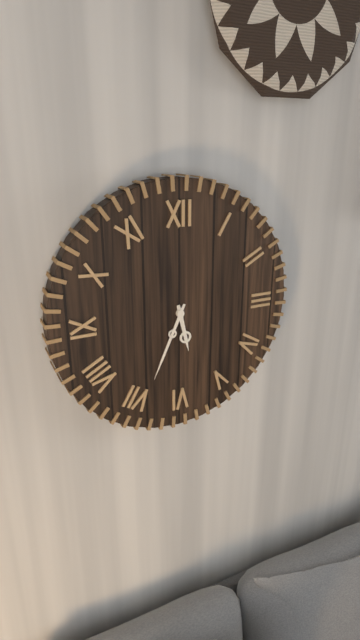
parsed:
5,34
